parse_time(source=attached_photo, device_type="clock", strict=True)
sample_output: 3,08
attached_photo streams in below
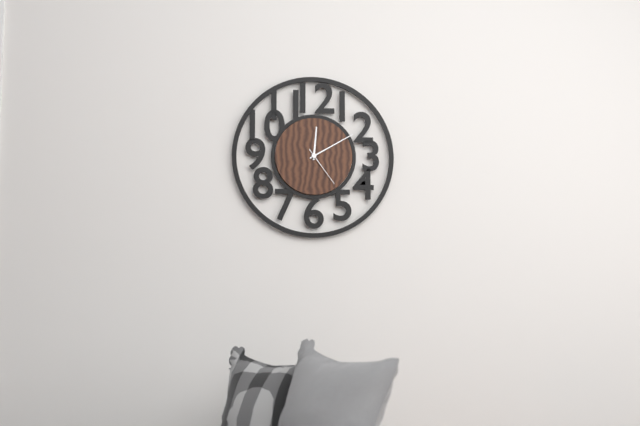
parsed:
12,10
